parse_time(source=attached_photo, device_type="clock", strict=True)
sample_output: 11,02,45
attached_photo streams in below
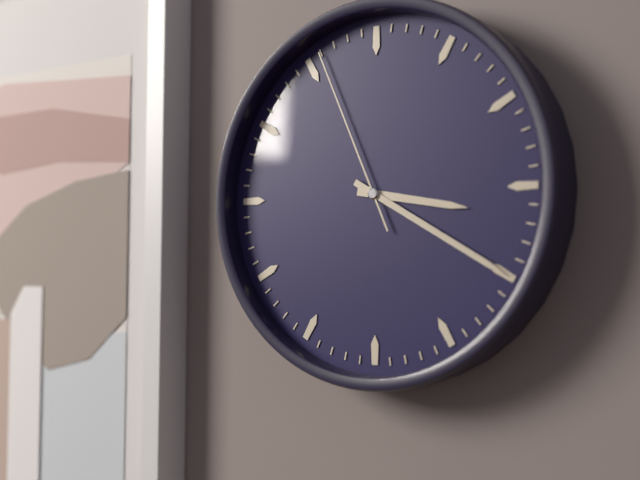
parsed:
3,20,56
